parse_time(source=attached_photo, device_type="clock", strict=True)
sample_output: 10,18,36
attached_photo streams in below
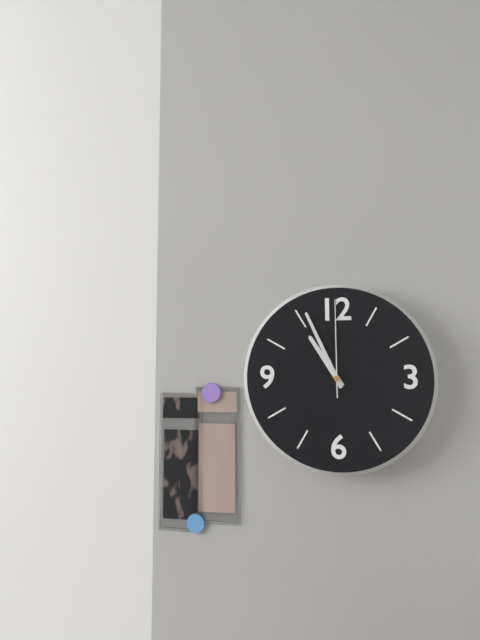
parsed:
10,56,00
